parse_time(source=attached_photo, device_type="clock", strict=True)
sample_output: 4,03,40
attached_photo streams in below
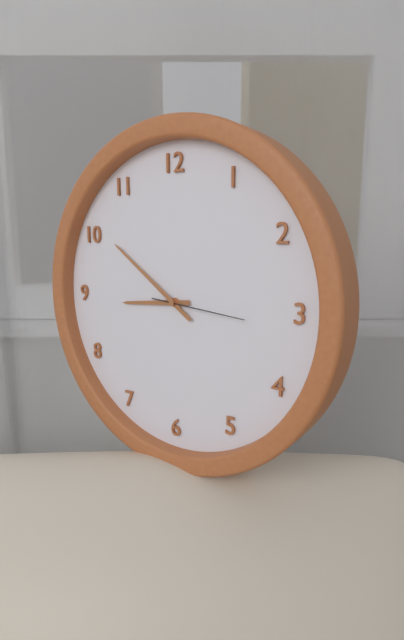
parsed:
8,51,16
